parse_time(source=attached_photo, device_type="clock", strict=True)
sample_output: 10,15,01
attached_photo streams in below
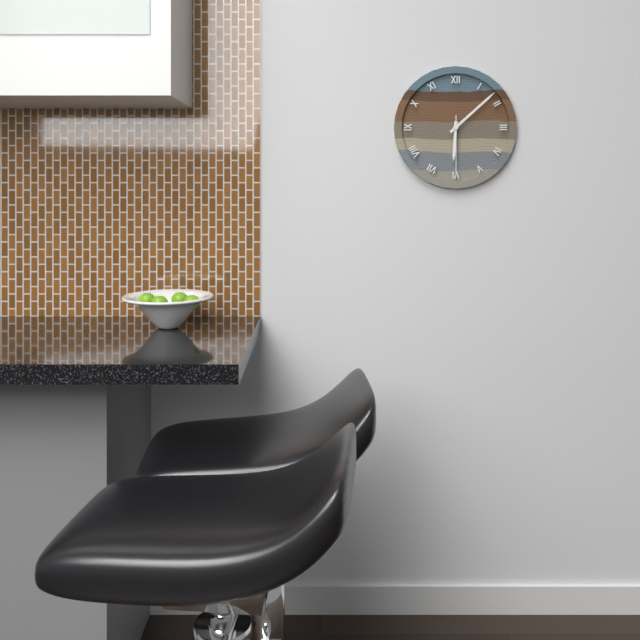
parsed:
6,08,30
